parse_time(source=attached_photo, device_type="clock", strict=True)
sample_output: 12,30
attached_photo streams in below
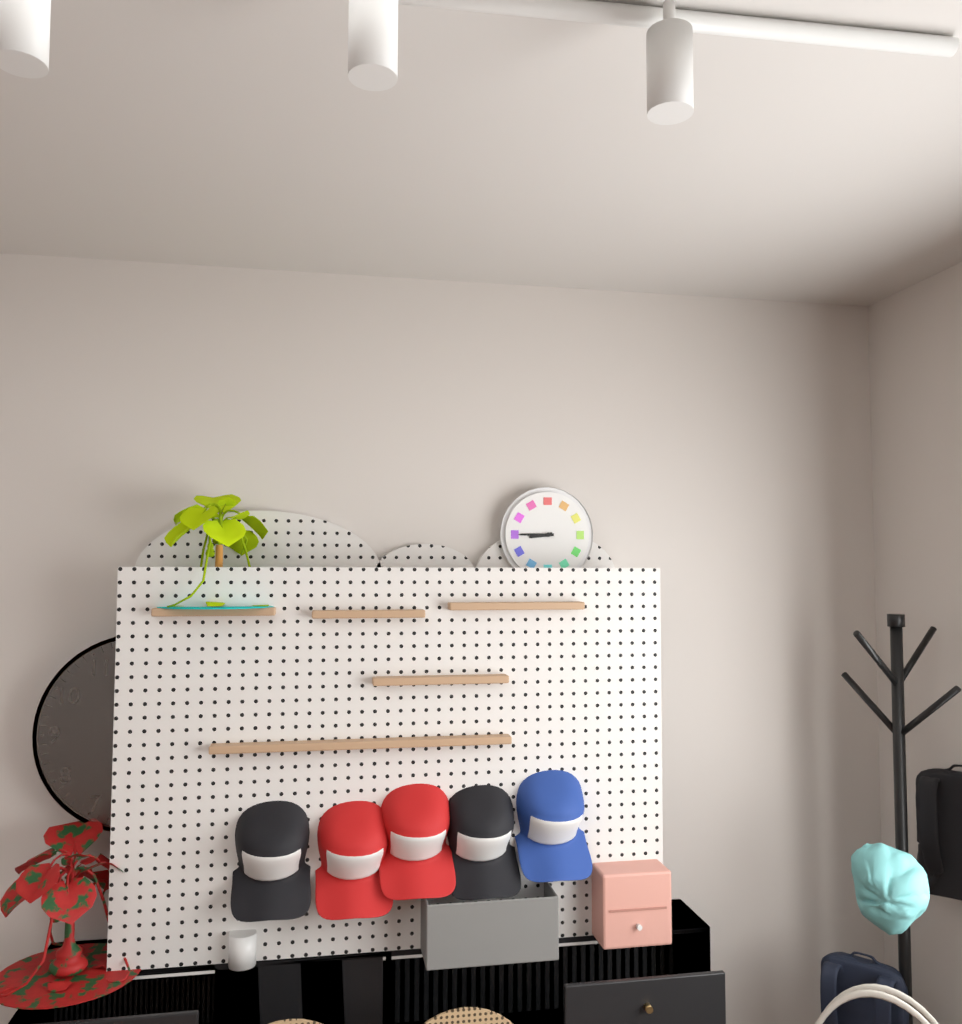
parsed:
8,45
